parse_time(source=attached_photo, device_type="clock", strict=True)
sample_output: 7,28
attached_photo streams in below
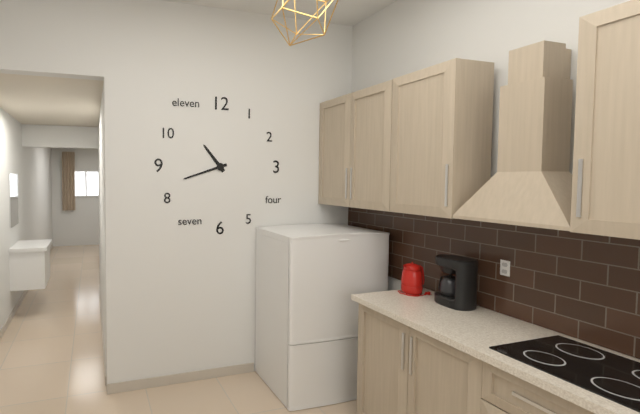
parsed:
10,42
